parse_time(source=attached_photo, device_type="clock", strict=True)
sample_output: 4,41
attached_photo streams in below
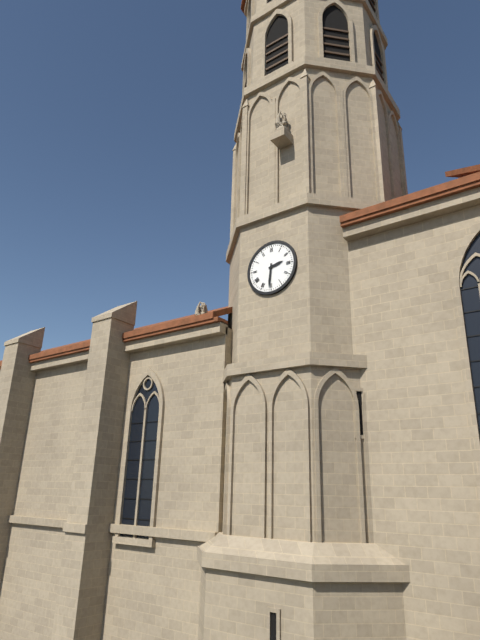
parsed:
2,31
